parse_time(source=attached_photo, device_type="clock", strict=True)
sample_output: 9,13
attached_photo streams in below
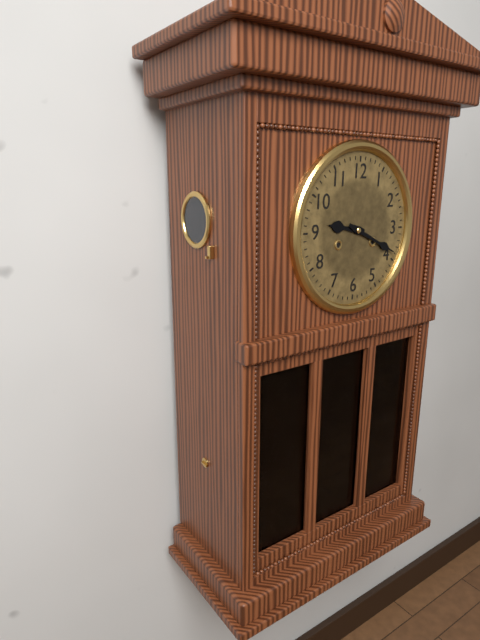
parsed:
9,19
